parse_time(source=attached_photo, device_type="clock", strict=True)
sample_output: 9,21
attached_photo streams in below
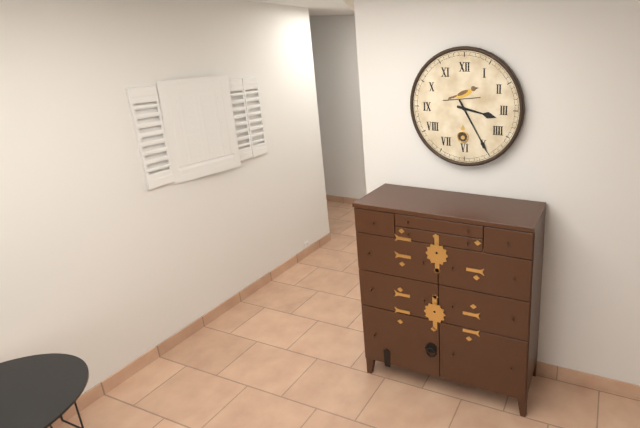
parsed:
3,25
